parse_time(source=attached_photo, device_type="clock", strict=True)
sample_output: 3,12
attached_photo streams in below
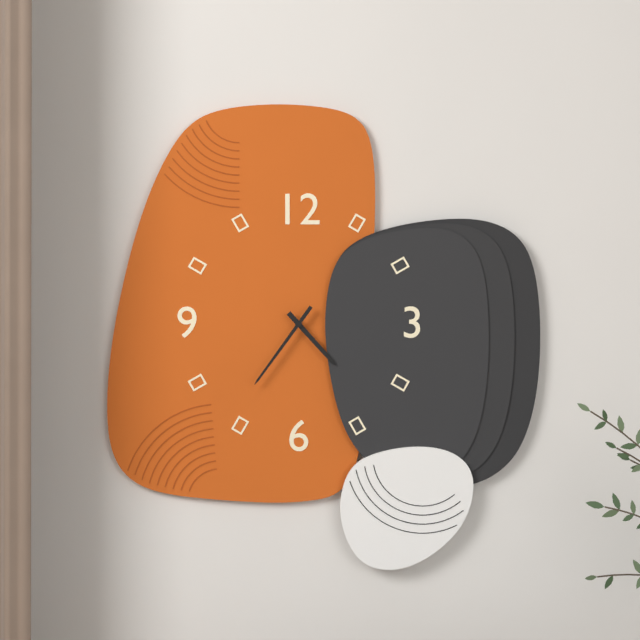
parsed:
4,36
